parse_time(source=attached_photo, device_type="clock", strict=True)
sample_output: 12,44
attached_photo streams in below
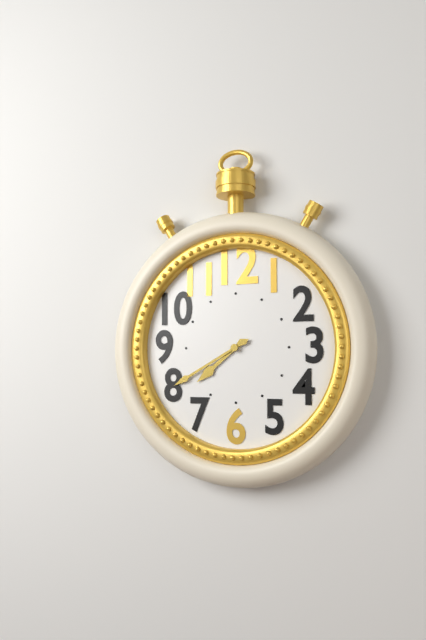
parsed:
7,40
